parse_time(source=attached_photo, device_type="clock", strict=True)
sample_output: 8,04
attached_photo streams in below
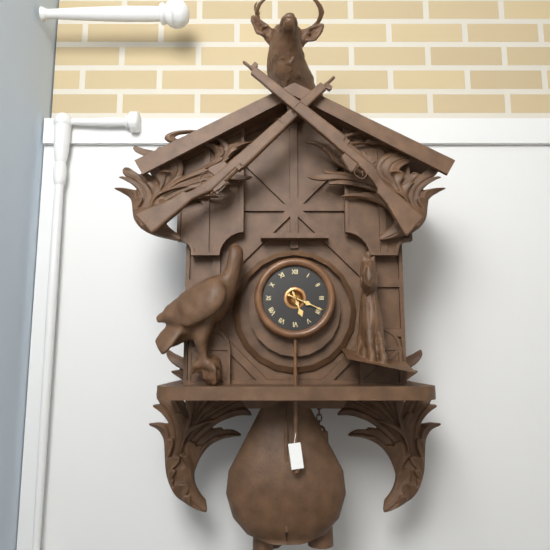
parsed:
5,19
